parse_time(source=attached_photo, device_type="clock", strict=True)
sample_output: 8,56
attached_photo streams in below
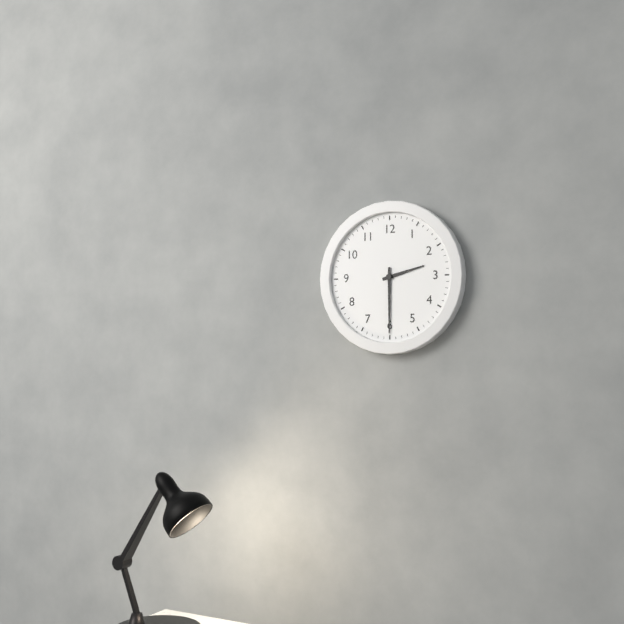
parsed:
2,30
